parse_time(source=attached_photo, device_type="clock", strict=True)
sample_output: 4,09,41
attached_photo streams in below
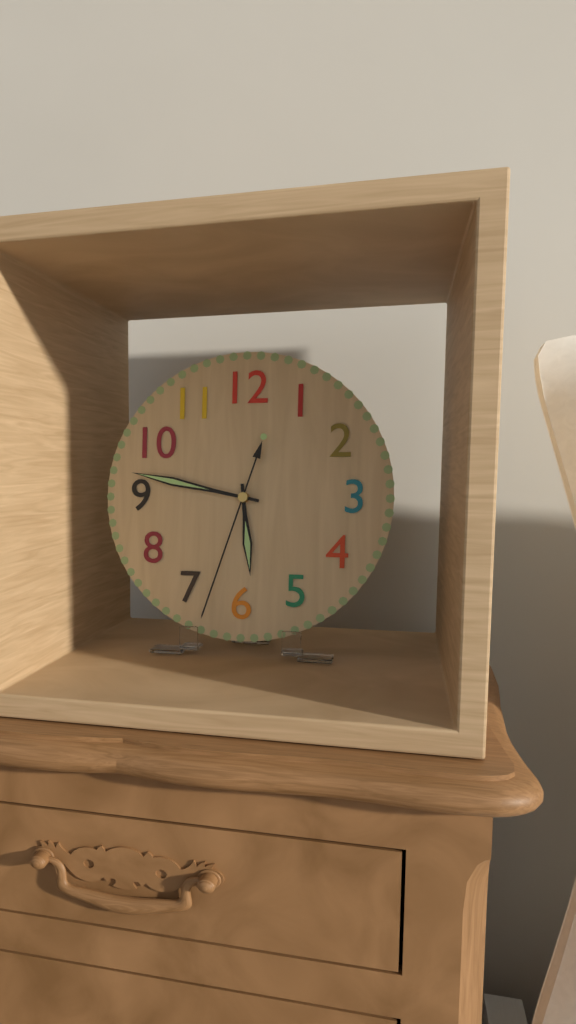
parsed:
5,47,33
